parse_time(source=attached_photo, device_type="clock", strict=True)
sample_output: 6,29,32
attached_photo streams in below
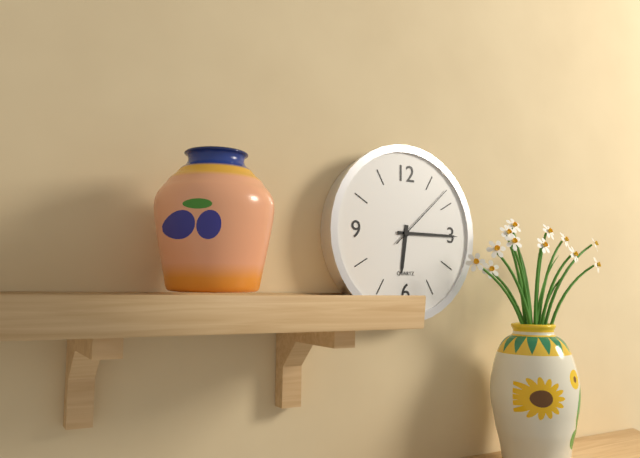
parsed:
6,15,08
